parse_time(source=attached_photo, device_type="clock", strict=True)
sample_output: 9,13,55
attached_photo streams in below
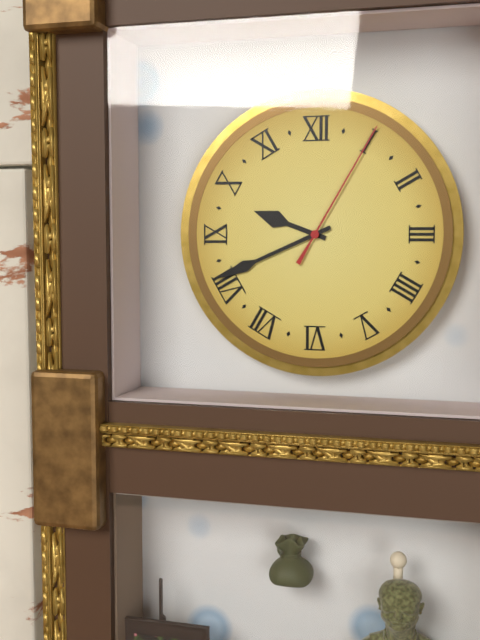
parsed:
9,41,05
